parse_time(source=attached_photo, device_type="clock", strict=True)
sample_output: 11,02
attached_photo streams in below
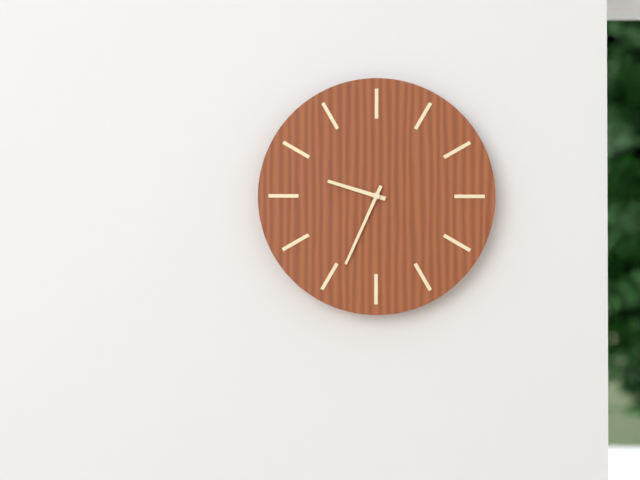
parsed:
9,34
